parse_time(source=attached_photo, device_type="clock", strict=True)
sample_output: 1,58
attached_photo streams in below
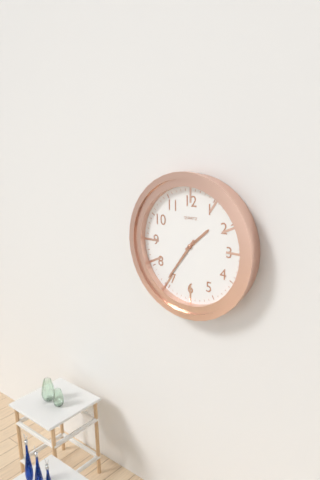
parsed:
1,36
